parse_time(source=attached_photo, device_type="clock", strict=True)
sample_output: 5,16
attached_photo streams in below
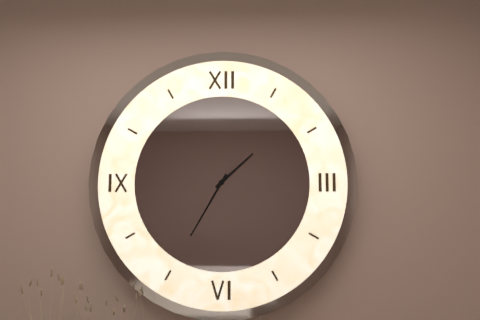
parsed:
1,35
